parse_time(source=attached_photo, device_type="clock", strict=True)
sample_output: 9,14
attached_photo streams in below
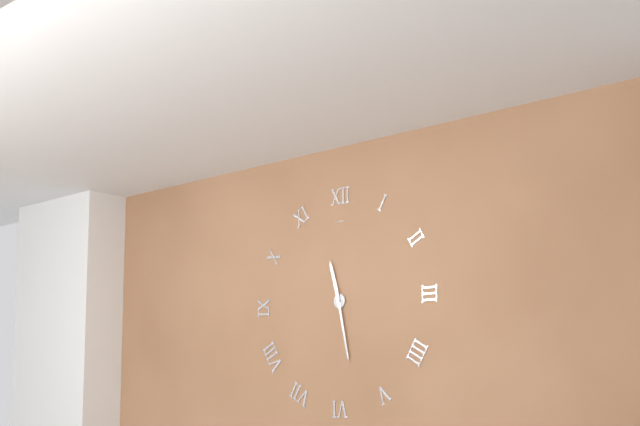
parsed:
11,28
